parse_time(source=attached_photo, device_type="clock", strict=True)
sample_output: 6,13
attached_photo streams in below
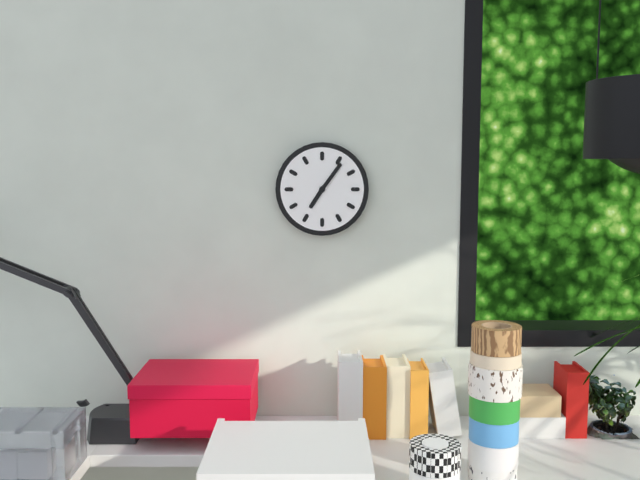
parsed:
7,06
